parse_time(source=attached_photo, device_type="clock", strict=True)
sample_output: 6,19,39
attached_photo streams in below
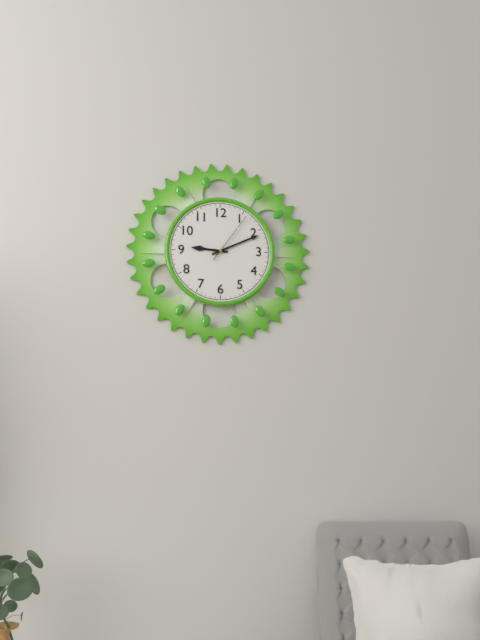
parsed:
9,11,06
